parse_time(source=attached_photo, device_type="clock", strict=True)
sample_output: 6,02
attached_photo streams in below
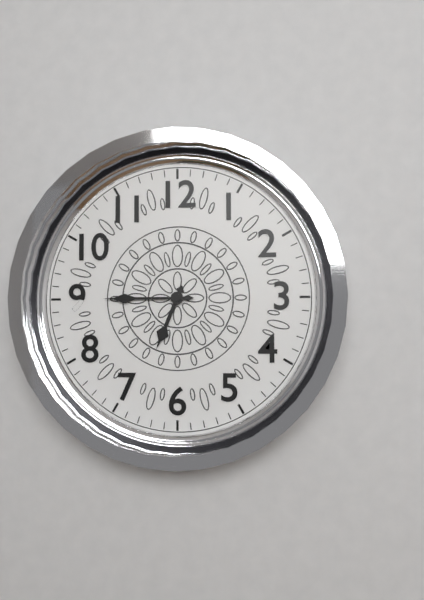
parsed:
6,45
